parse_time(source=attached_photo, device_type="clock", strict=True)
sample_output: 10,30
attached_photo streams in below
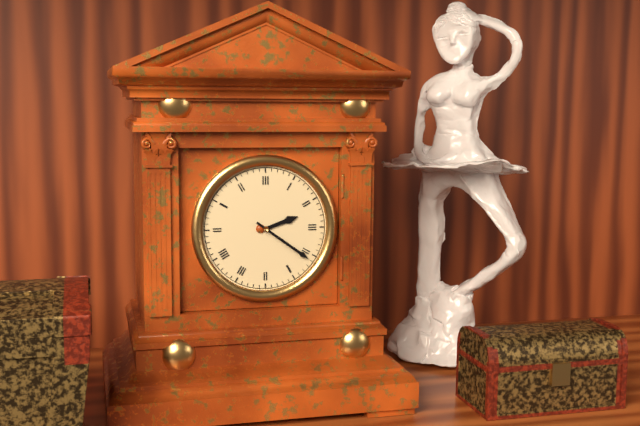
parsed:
2,21
